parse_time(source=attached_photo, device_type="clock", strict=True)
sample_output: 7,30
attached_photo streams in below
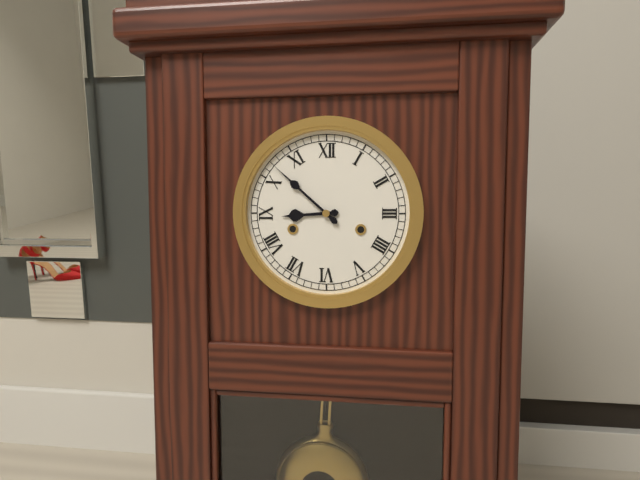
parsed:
8,52
